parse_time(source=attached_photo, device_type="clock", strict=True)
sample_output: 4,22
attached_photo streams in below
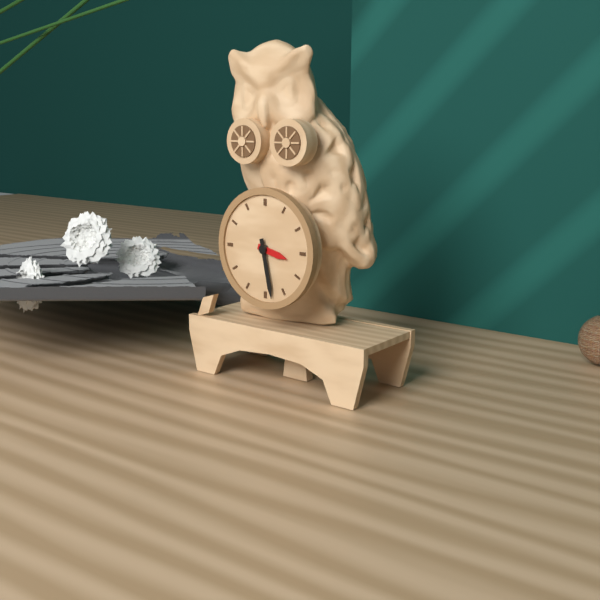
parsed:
3,28
